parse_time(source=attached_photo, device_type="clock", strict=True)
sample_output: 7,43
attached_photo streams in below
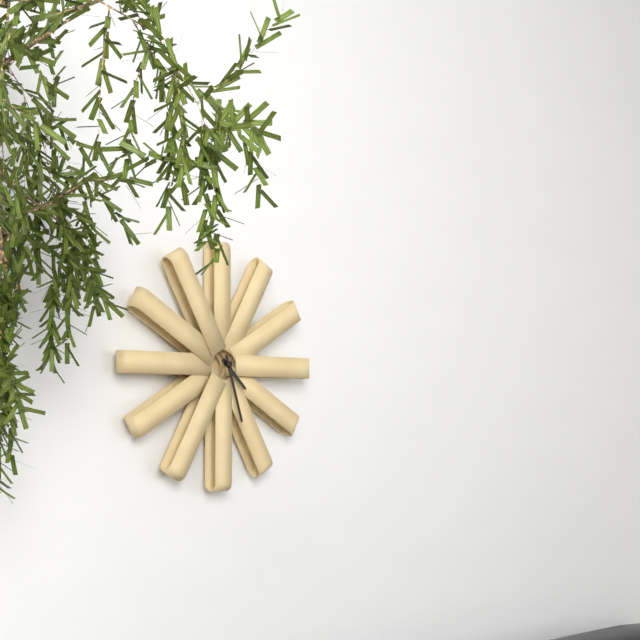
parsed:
4,27
